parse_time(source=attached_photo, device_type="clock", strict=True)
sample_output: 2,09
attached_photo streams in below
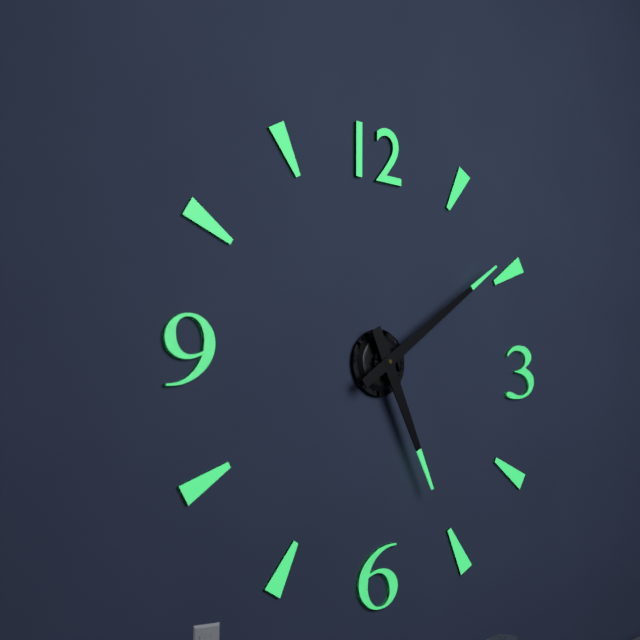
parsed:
5,09
